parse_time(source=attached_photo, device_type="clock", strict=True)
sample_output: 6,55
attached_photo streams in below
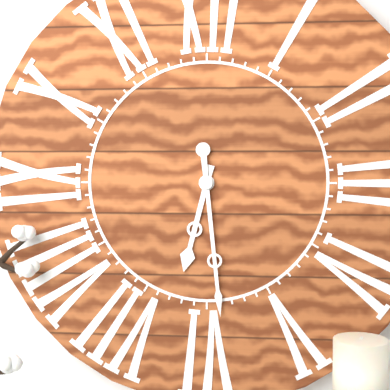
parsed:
6,29
